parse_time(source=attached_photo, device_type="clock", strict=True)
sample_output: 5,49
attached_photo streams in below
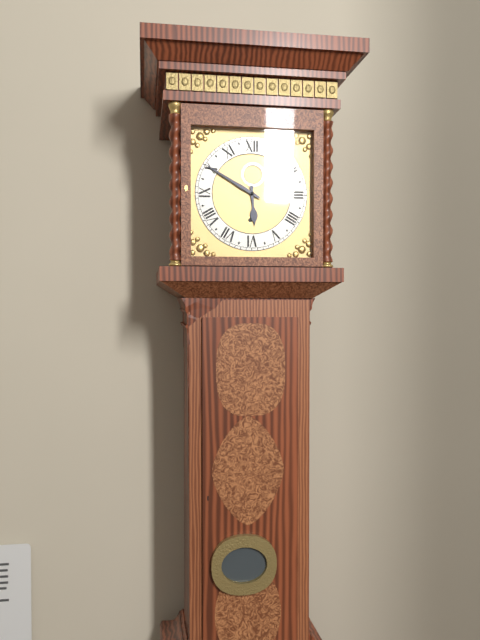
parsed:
5,50
